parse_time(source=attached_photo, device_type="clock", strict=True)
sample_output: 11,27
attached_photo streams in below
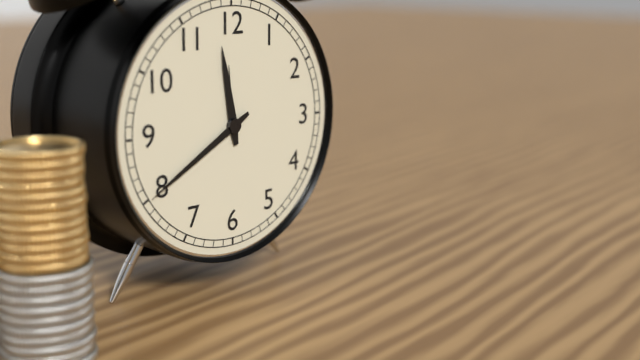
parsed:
11,40
